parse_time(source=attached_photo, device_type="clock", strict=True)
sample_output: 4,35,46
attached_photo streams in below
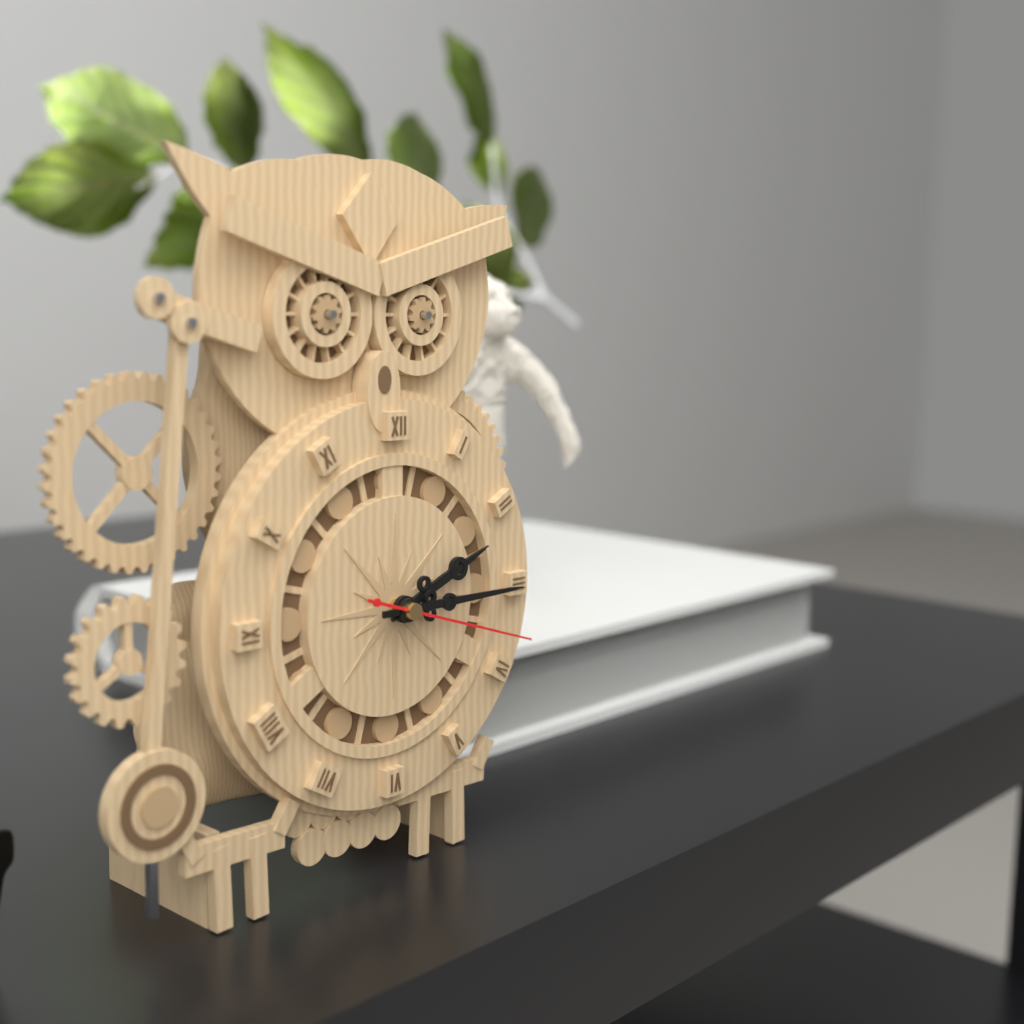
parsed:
2,15,18
